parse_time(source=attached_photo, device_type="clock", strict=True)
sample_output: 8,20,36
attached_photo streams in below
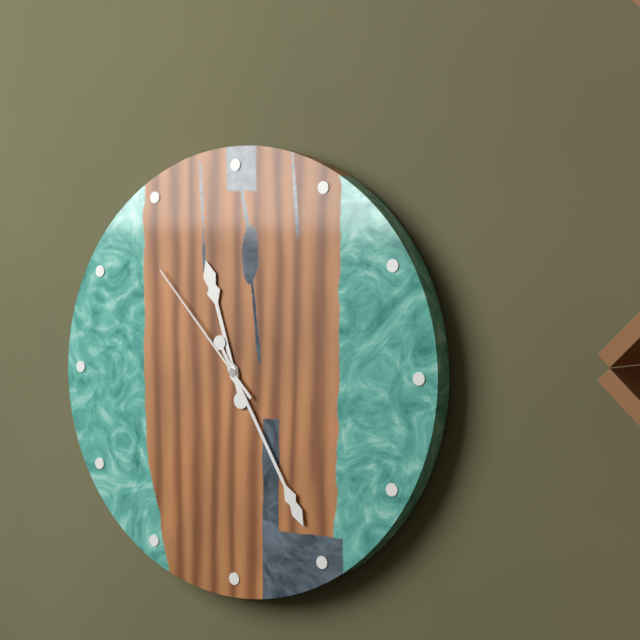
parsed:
11,25,53
